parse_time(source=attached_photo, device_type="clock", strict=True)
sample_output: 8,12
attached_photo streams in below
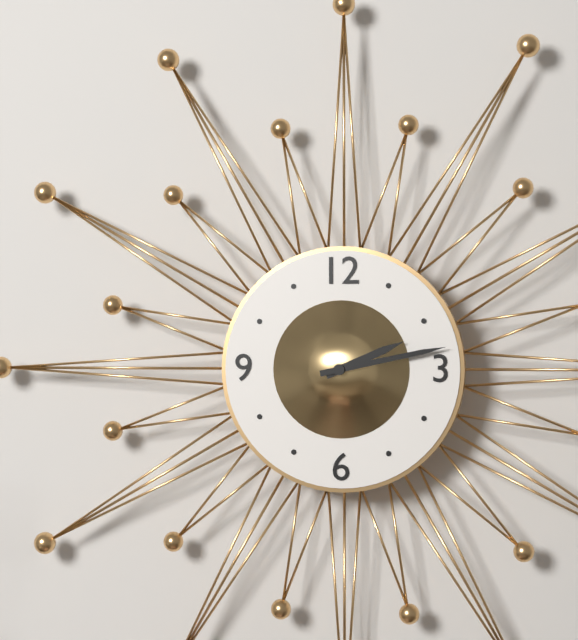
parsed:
2,13
